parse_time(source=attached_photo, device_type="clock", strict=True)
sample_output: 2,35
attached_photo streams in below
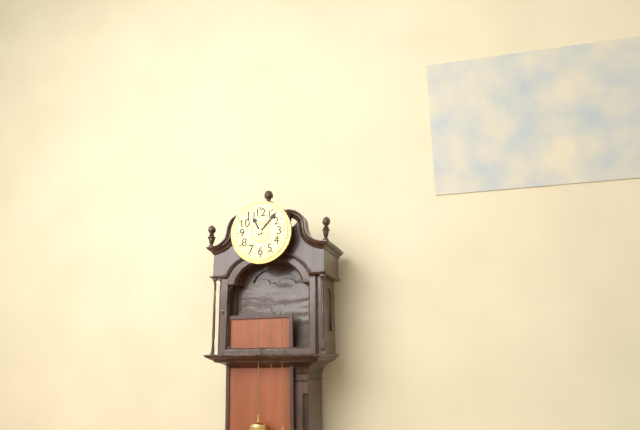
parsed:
11,07
